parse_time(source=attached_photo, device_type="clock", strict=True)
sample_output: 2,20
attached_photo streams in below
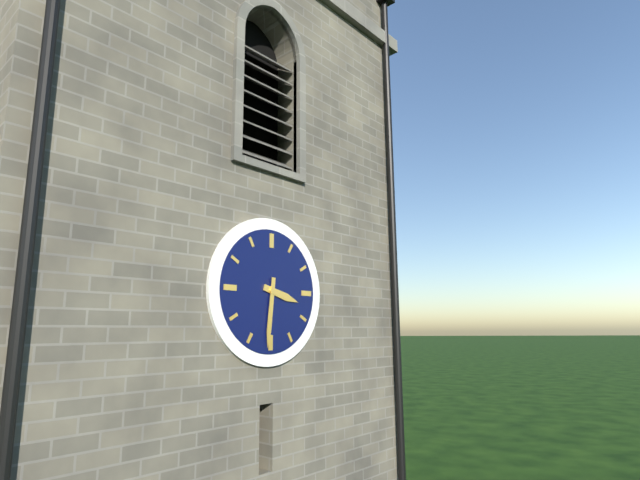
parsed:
3,31
